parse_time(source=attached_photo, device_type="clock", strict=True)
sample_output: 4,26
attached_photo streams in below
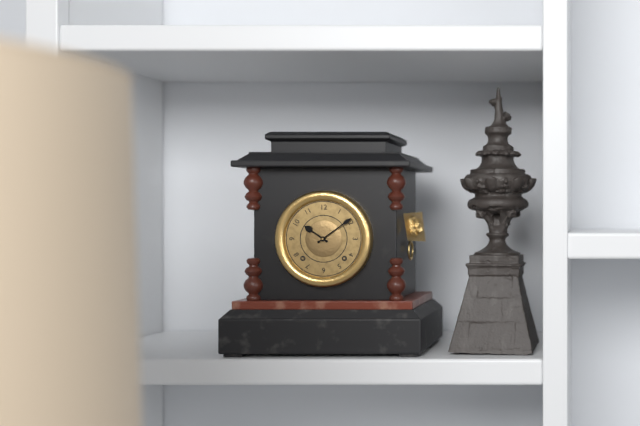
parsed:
10,09
